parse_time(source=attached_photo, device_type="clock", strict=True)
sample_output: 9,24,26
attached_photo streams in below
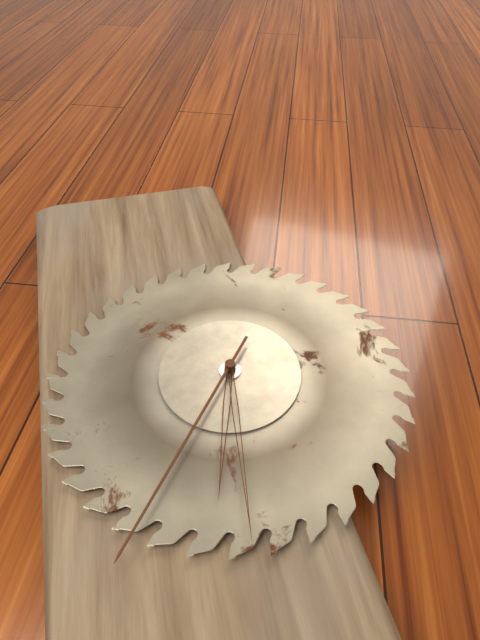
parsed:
6,31,36
